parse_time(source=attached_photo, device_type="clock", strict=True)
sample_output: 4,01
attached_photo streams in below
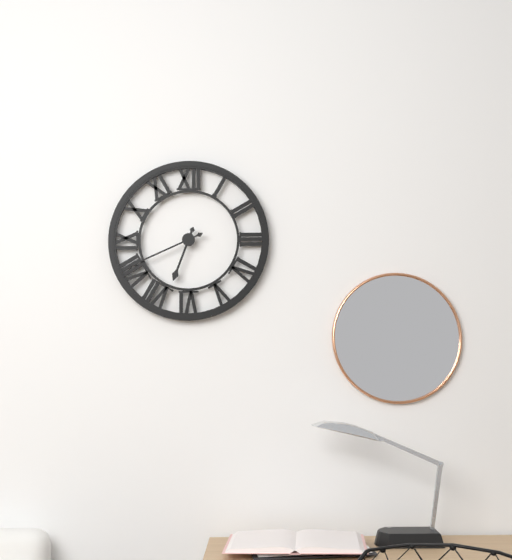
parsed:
6,41
